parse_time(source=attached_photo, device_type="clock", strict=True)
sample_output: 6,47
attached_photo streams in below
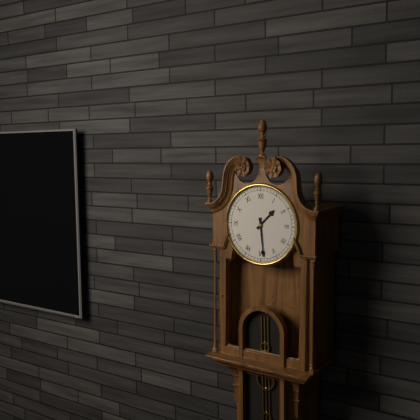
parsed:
1,29
